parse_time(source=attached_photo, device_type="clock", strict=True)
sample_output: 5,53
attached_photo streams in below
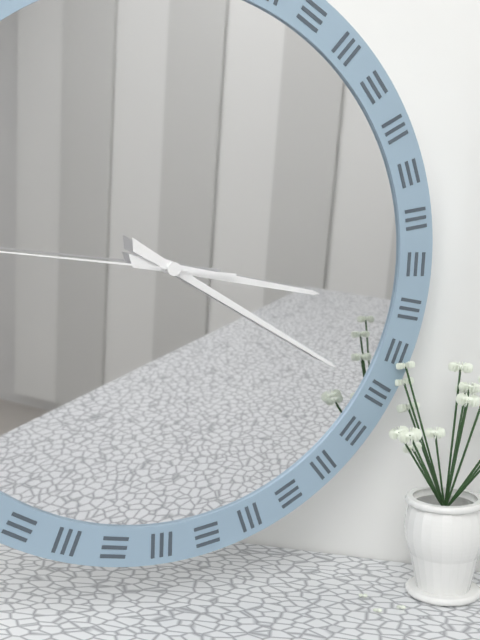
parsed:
3,20
